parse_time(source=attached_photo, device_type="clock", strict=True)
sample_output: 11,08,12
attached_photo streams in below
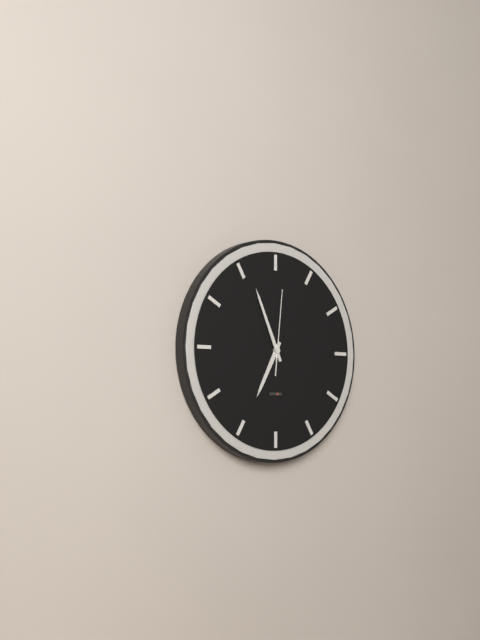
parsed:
6,56,01
